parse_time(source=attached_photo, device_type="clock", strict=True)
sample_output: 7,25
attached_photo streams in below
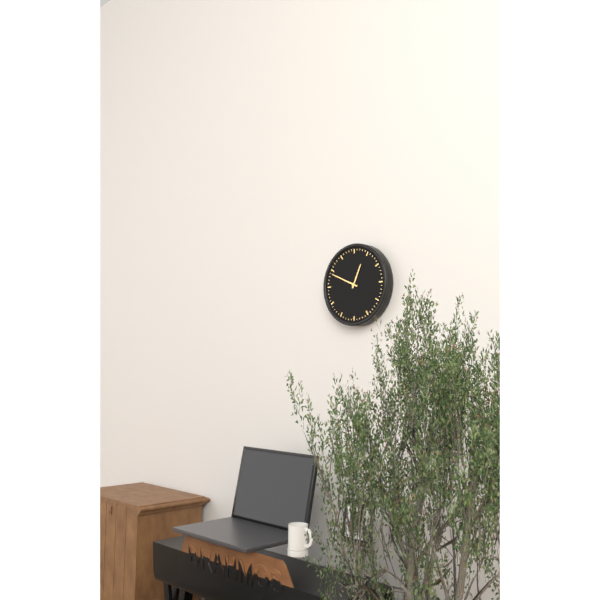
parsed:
12,49
